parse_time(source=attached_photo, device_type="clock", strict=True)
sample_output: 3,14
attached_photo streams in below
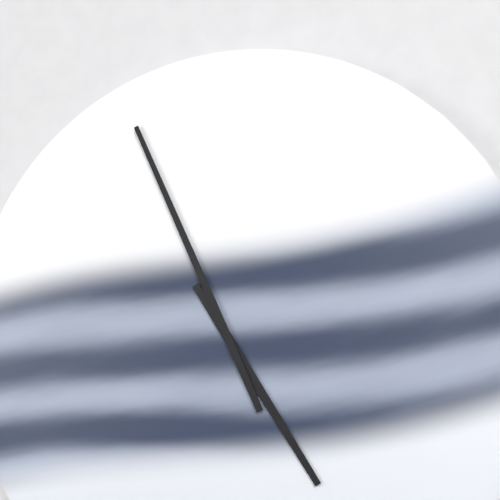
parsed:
4,56
